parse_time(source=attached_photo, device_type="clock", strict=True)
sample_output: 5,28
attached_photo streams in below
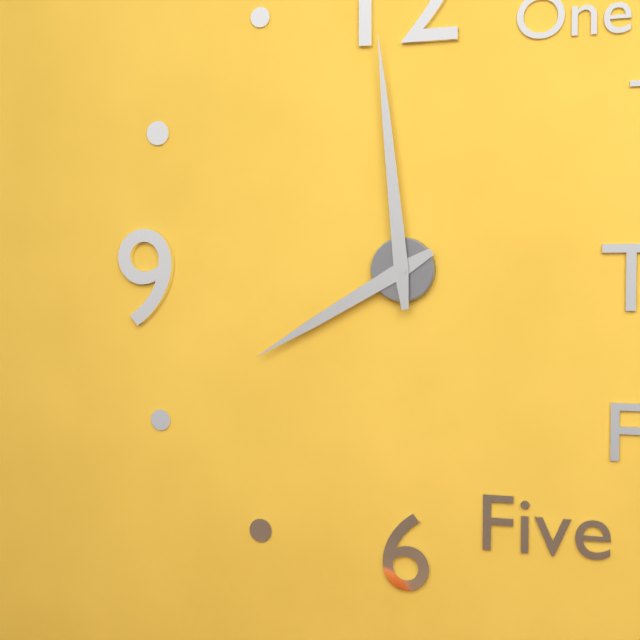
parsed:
7,59
